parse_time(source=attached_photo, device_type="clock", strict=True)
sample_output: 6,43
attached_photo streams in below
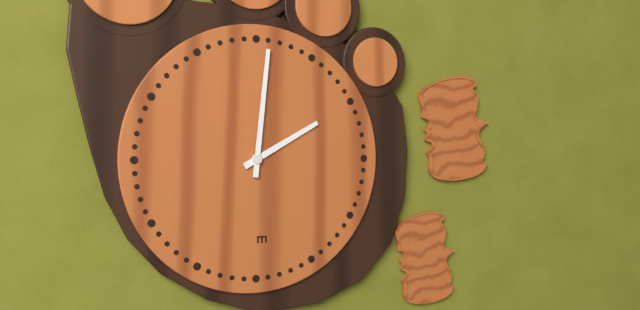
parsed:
2,01
